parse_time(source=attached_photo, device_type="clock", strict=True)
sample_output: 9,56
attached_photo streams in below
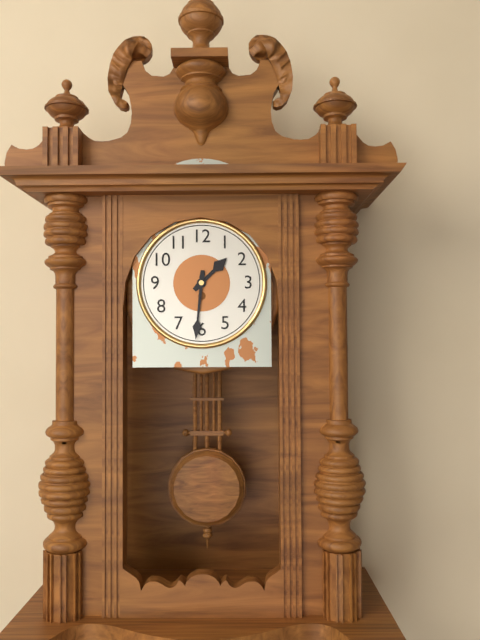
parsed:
1,31
